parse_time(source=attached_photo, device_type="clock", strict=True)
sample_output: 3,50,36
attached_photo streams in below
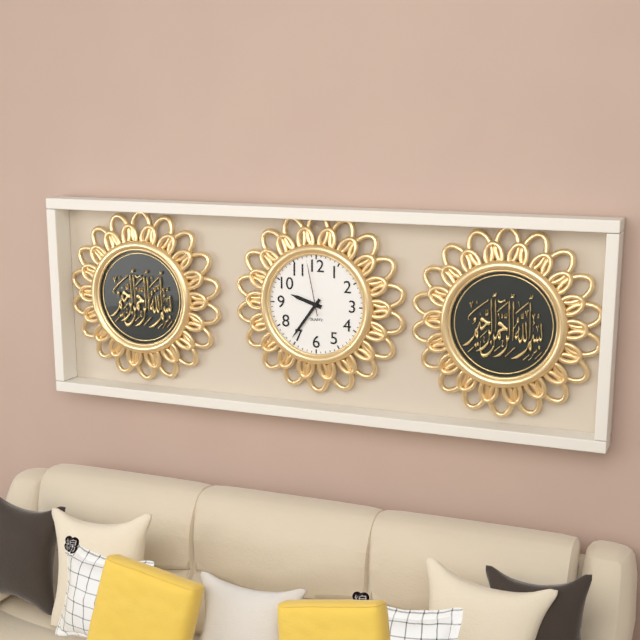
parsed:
9,36,58
